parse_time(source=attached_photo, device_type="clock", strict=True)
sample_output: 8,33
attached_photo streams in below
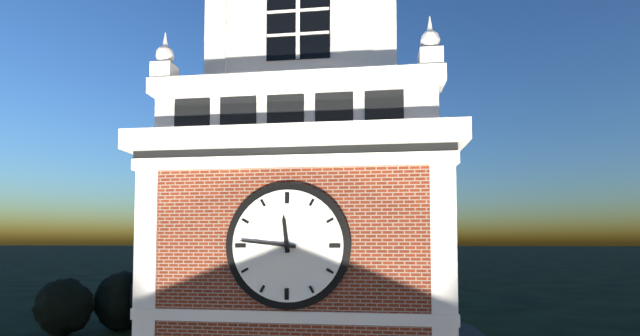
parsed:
11,46
